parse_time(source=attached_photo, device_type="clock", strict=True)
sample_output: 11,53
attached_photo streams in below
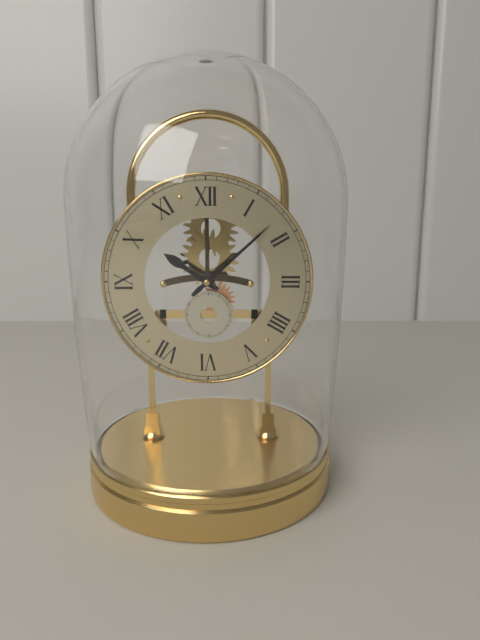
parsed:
10,08
